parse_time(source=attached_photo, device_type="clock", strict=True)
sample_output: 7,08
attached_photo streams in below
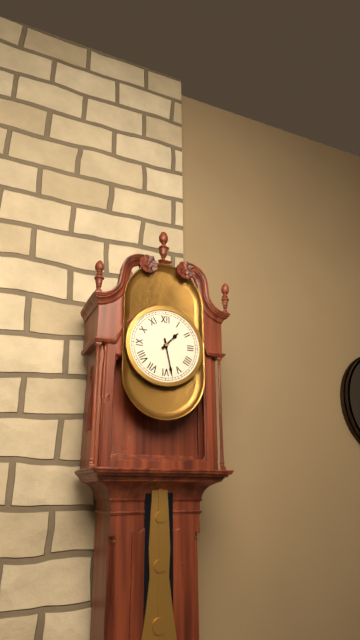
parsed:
1,28
